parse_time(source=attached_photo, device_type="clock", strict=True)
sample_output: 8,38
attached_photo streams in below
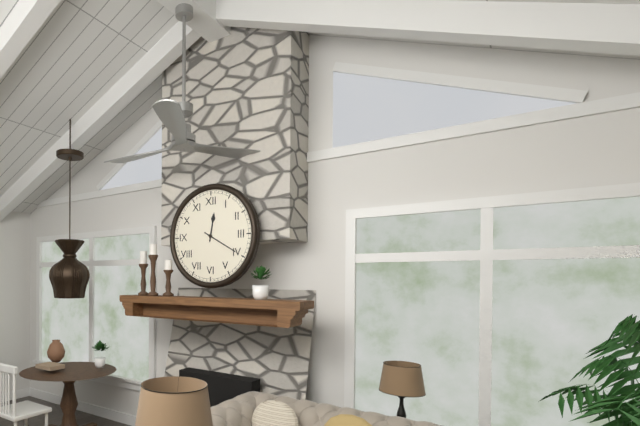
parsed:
12,20
